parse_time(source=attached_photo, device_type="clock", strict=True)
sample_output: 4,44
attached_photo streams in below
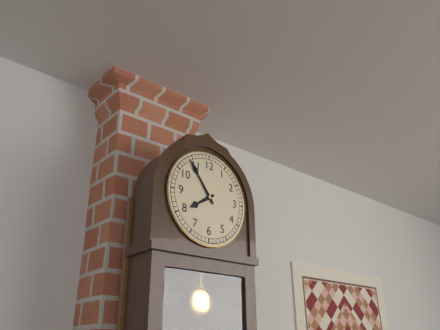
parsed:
7,54
